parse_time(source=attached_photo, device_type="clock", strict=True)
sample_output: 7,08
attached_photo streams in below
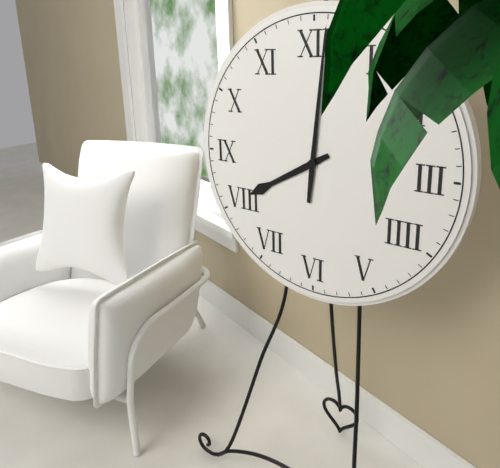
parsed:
8,01
